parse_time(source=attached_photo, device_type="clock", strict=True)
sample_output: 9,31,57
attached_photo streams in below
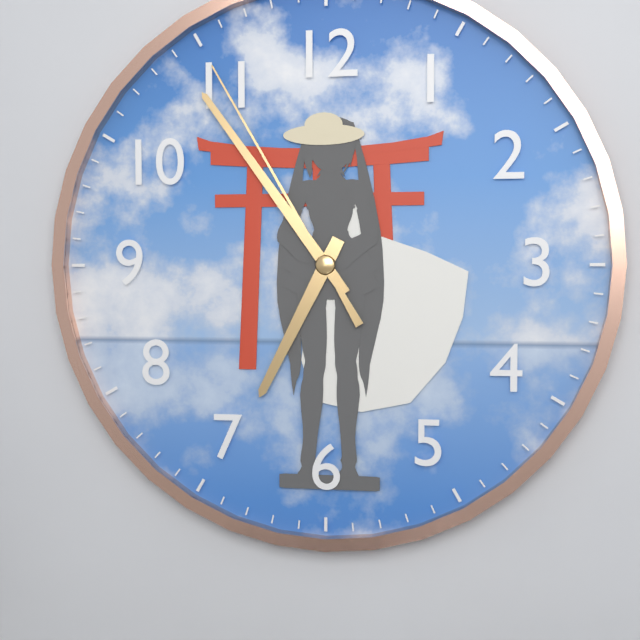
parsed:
6,54,55
